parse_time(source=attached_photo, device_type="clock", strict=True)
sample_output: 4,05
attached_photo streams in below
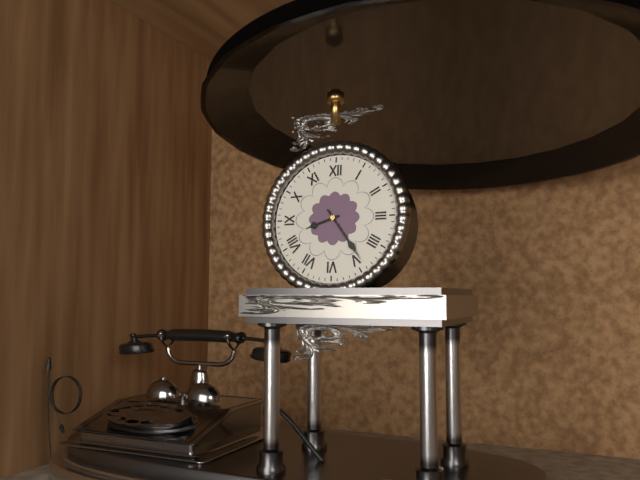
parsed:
8,24
